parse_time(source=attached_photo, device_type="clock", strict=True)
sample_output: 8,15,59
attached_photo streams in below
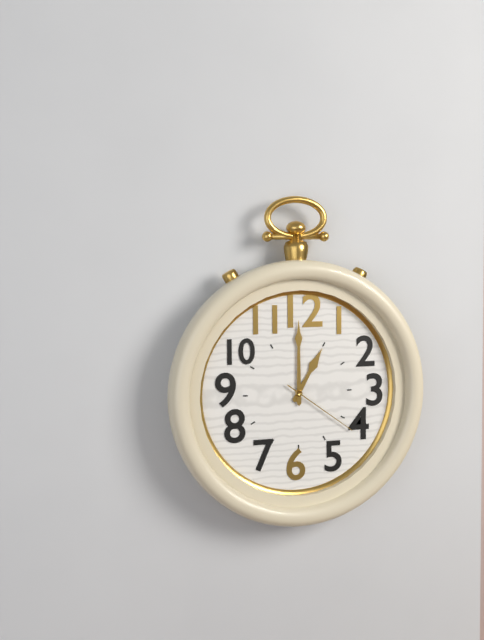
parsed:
1,00,21
